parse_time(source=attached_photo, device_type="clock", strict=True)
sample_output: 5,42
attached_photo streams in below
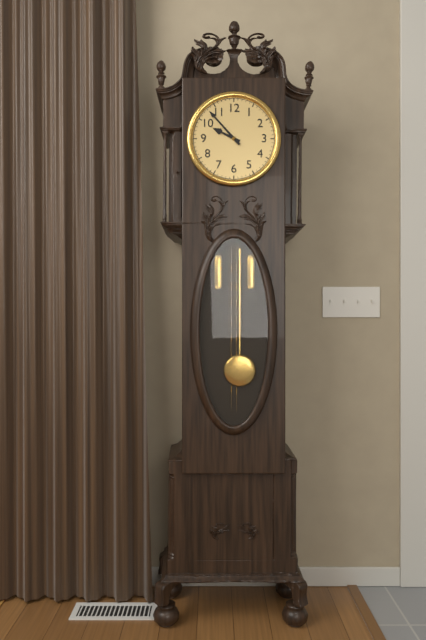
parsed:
9,53
